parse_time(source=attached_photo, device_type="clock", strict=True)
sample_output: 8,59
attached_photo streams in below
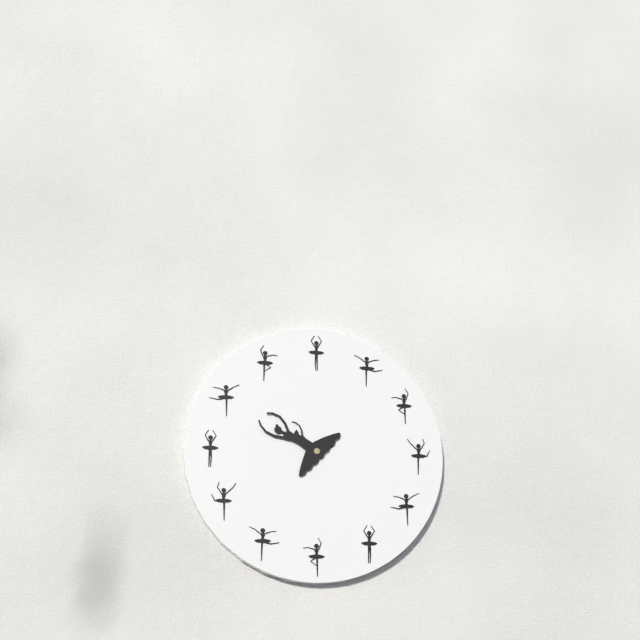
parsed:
10,52
